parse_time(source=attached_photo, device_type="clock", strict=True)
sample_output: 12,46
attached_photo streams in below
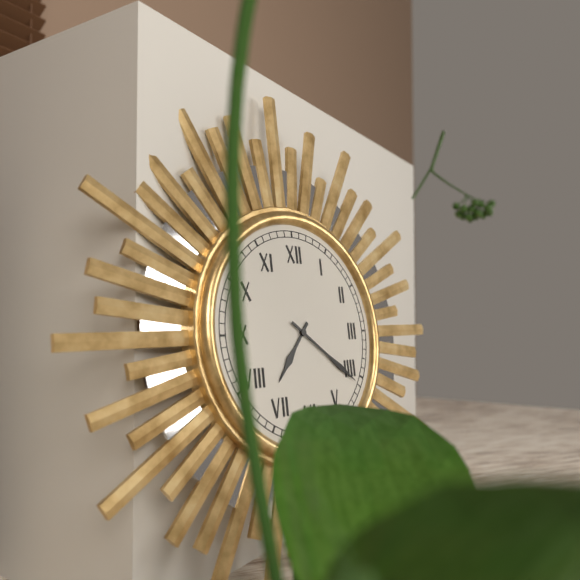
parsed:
7,21
